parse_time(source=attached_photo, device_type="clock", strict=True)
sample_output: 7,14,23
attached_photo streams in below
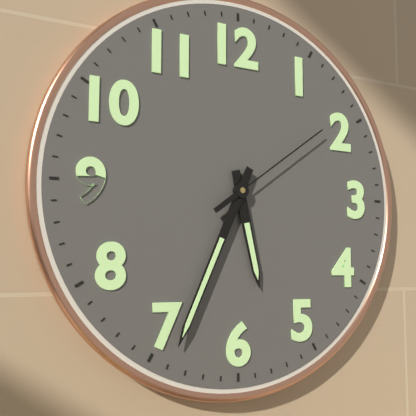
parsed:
5,34,09
